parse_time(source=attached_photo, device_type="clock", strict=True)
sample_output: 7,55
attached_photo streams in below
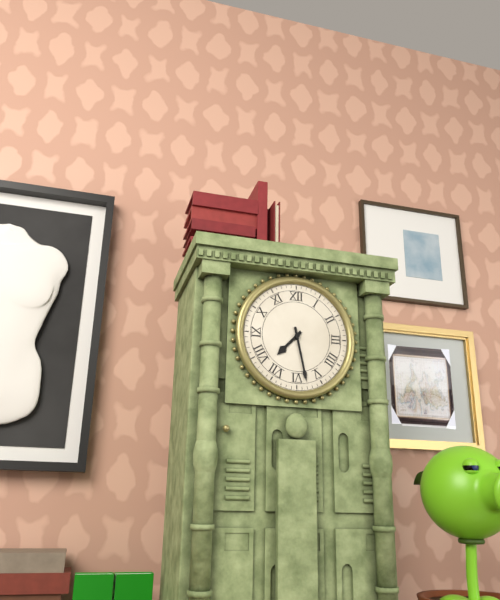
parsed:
7,28
